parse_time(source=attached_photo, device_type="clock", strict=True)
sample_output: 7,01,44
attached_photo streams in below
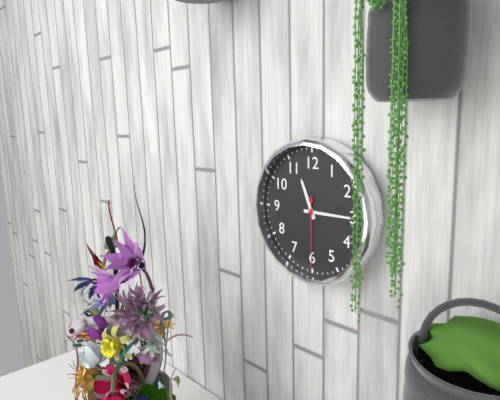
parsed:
11,15,30
